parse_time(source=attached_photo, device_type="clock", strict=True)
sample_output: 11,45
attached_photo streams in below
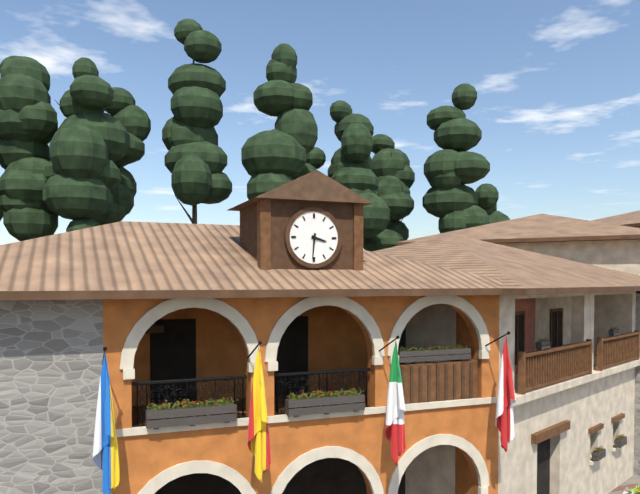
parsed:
3,31
